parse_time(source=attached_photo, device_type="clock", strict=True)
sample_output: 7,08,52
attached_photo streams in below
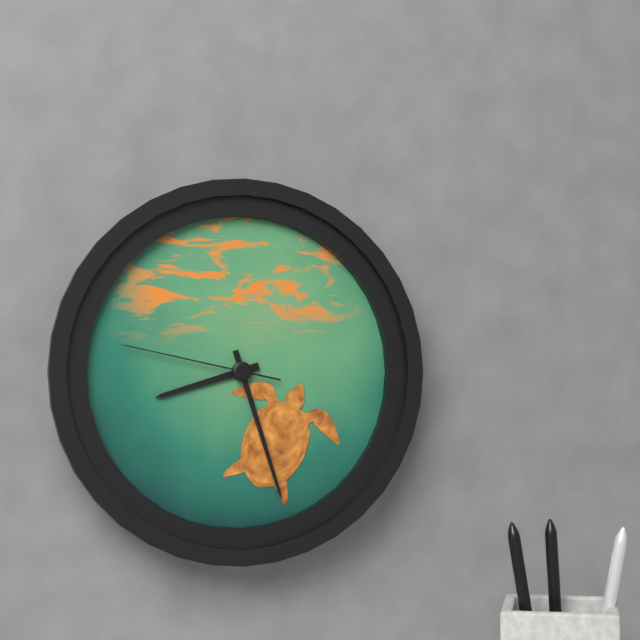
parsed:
8,27,47
